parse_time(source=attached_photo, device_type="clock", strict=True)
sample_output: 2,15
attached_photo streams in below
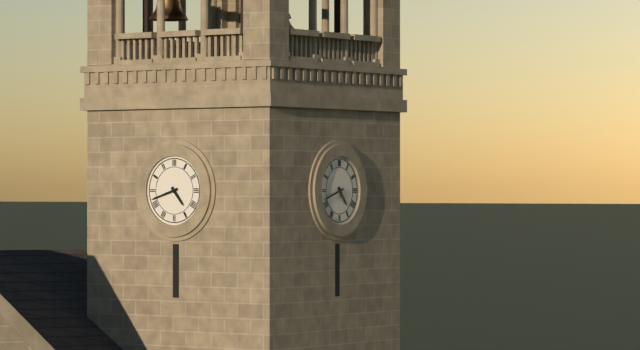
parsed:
4,42
